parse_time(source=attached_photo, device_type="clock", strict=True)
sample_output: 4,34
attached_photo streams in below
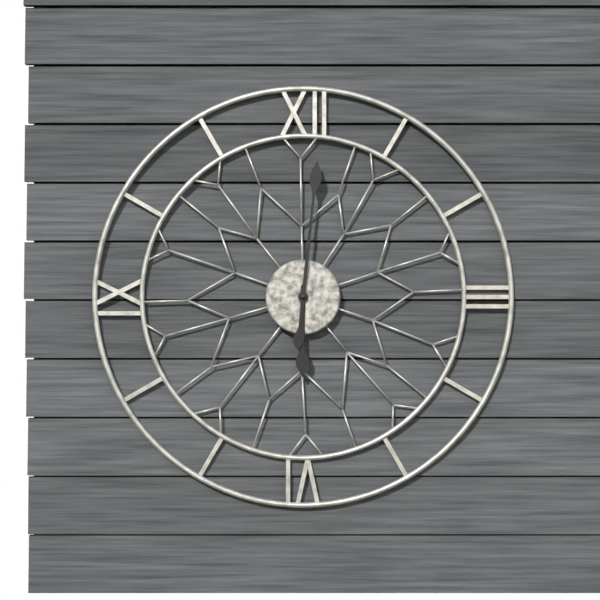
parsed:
6,01
